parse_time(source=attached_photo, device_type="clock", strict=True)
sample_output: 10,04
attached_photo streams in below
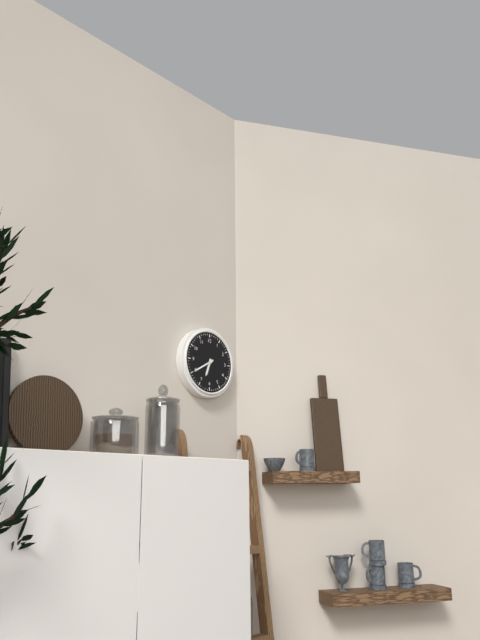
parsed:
6,40
